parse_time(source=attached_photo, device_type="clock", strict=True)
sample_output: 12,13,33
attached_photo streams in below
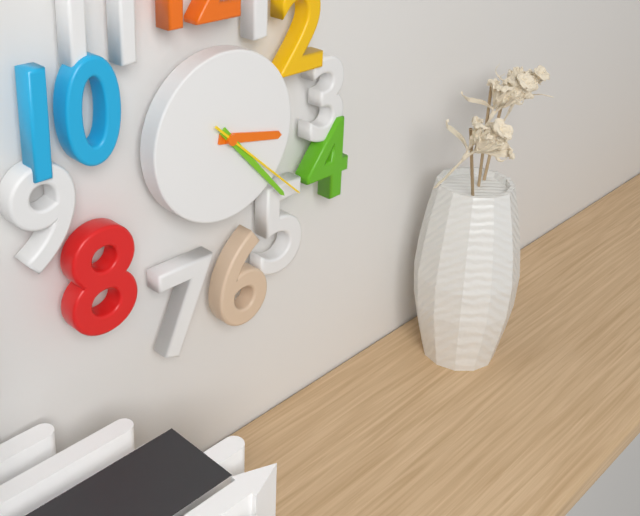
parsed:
3,23,22
